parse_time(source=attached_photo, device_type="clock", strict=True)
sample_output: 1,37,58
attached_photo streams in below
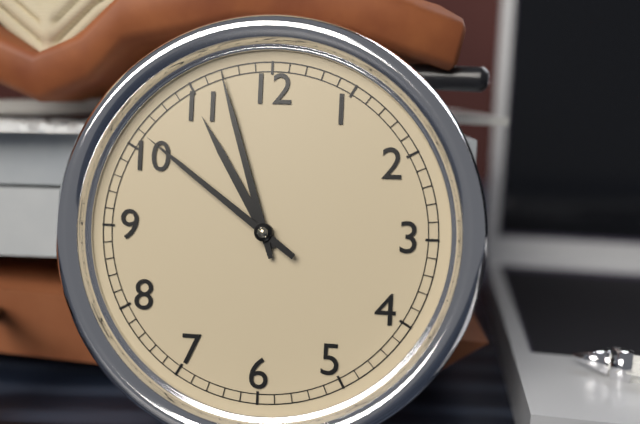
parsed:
10,57,51
